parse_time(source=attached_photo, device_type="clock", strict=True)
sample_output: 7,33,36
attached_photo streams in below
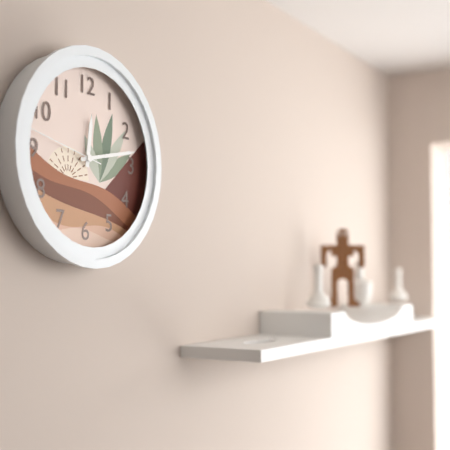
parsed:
12,13,47
